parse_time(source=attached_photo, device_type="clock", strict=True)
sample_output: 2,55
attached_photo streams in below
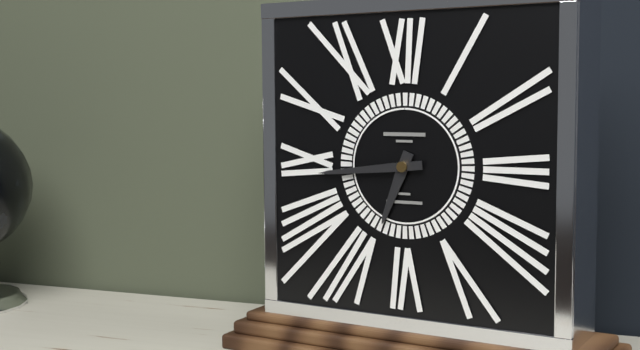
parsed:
6,44
